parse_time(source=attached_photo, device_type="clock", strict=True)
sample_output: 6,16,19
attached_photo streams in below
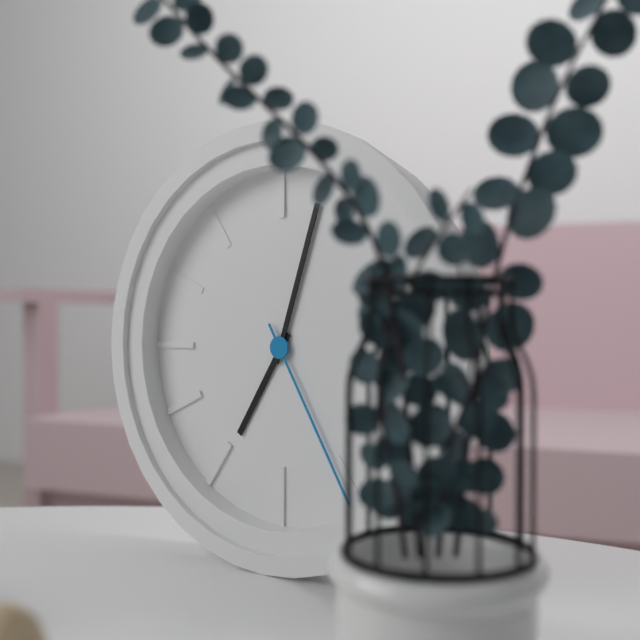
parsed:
7,03,25
